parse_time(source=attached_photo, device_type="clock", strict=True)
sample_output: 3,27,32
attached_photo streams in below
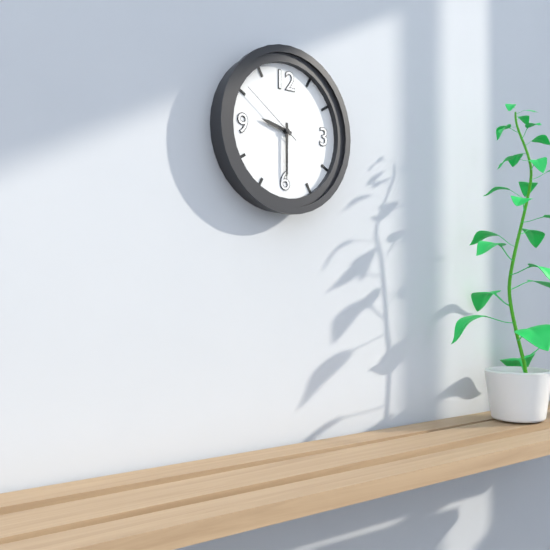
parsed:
9,30,51
